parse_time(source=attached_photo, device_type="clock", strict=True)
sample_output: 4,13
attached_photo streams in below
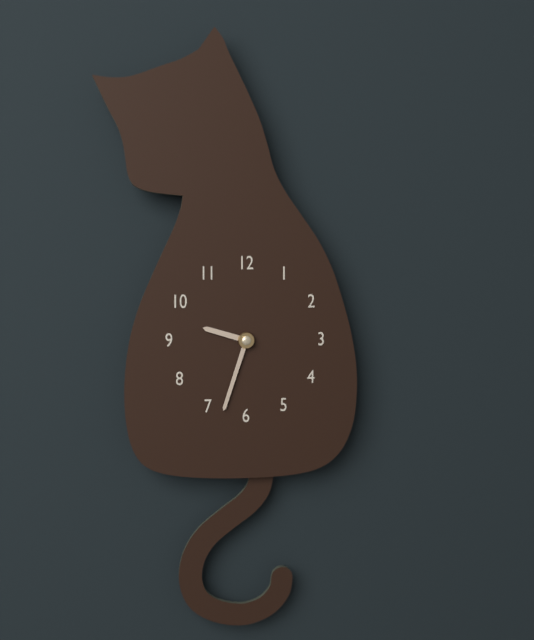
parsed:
9,33
